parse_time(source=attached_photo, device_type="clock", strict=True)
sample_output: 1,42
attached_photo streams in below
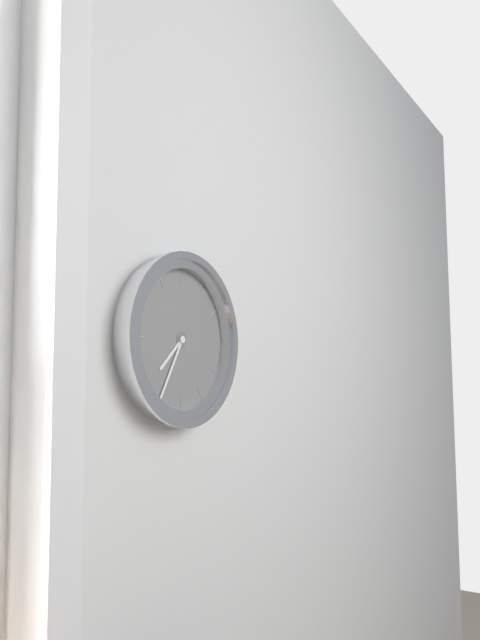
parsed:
7,35
